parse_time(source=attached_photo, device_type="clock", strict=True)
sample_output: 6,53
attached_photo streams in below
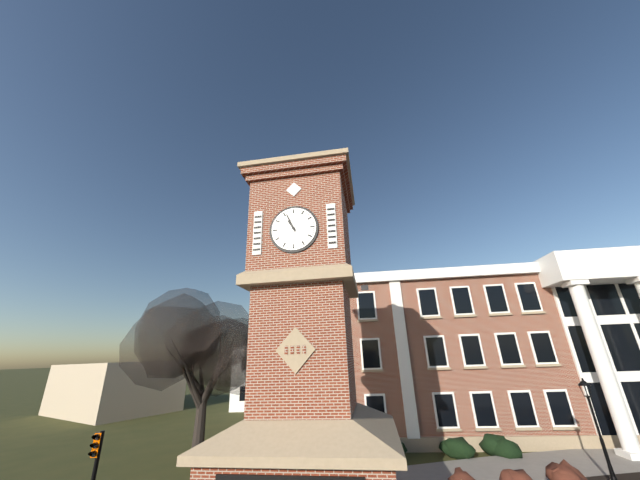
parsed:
10,56
